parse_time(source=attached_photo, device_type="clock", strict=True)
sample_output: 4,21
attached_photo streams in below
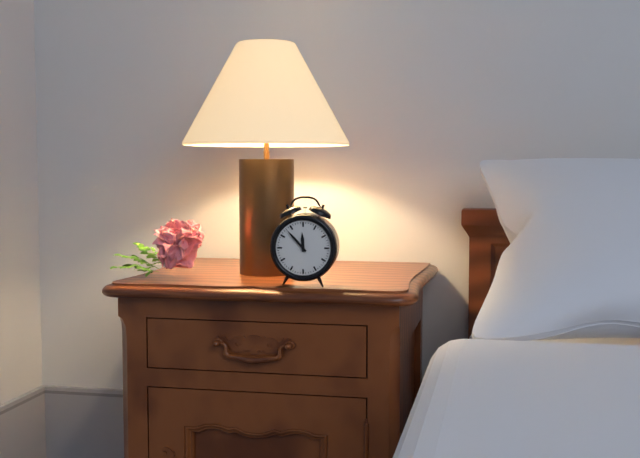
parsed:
11,53
